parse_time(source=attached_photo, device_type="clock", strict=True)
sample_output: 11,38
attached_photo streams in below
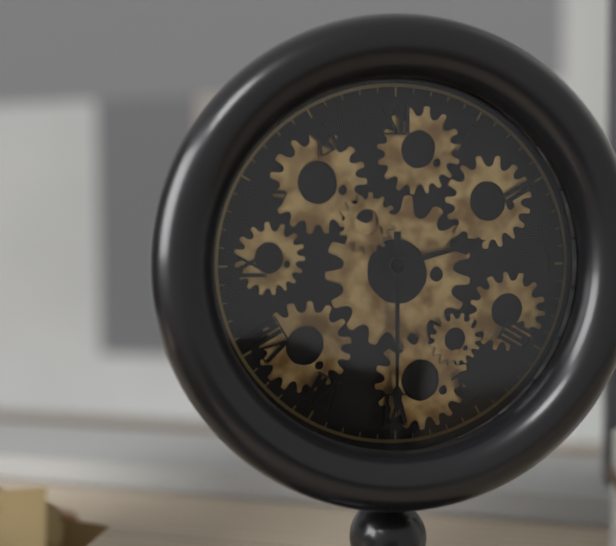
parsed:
2,30
